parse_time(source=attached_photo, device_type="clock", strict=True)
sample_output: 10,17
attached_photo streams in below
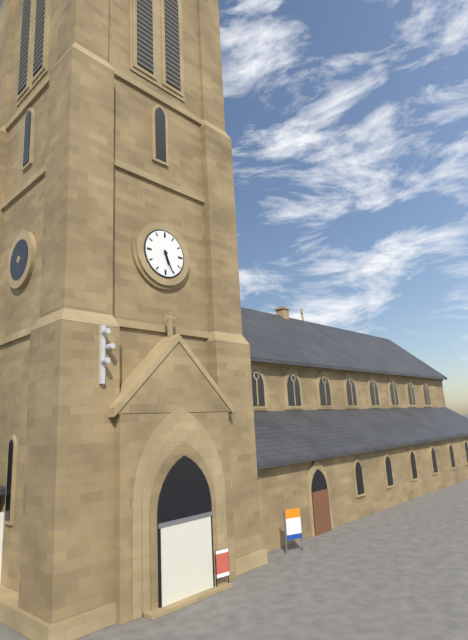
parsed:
5,26
